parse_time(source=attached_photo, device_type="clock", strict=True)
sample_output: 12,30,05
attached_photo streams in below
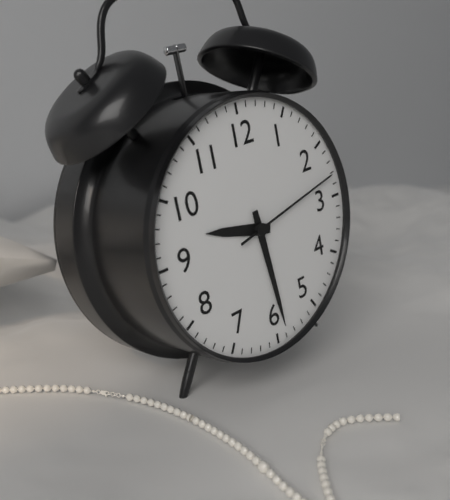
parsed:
9,29,13
